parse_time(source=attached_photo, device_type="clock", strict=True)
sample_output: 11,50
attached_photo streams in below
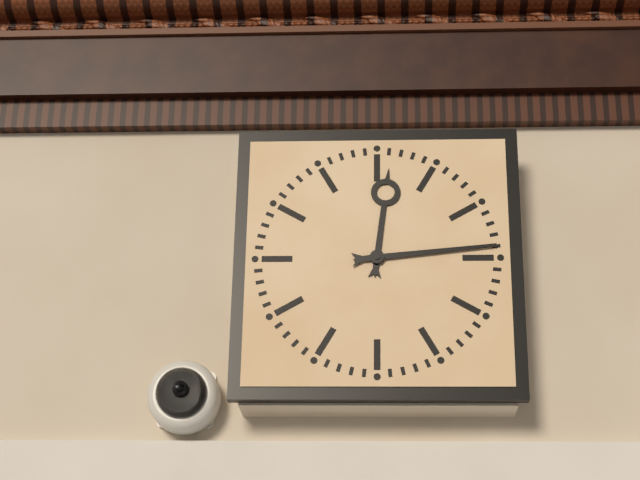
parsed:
12,14
